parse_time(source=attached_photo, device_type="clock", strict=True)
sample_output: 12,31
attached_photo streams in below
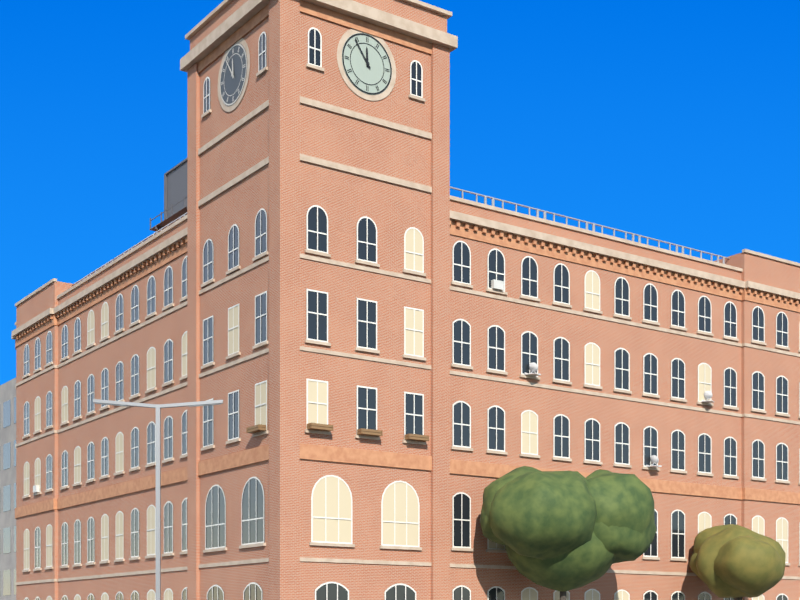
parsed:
11,54
